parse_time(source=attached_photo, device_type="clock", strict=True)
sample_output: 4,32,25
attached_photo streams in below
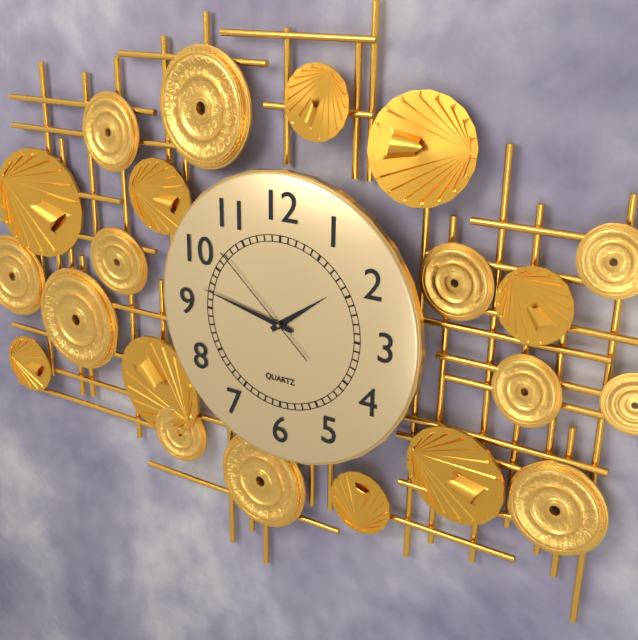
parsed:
1,47,52
